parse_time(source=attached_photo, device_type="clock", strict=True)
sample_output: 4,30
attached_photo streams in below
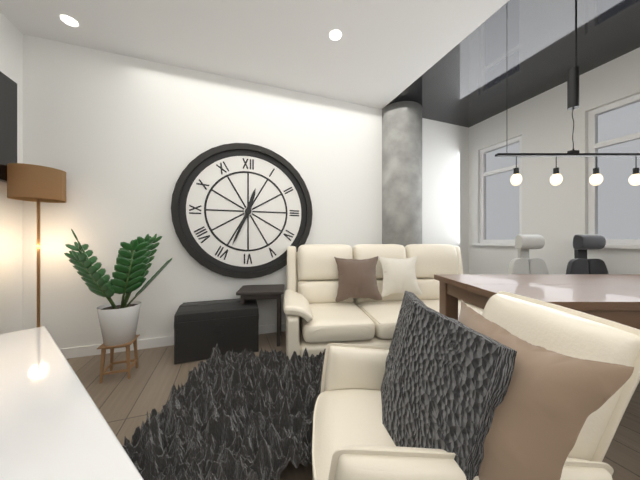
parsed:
12,34
